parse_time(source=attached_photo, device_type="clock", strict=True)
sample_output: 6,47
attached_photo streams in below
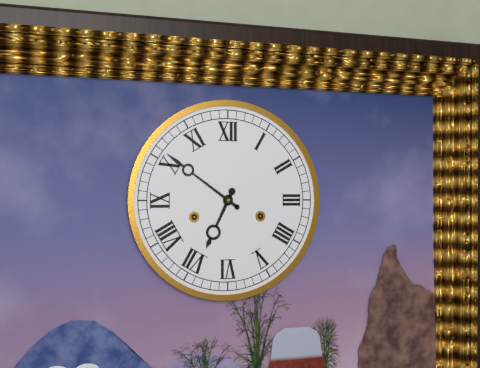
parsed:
6,51
